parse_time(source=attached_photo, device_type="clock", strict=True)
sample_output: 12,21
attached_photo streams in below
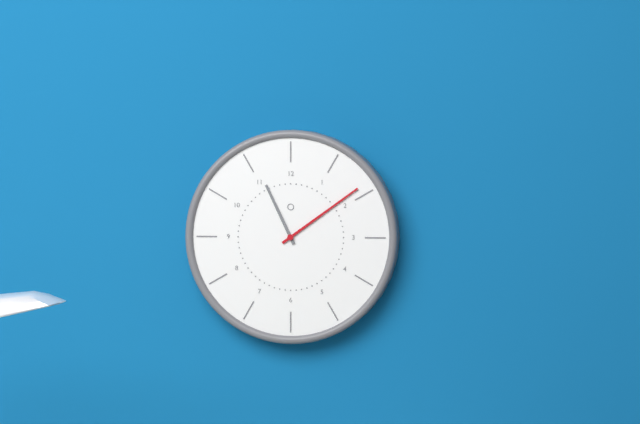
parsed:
11,09
